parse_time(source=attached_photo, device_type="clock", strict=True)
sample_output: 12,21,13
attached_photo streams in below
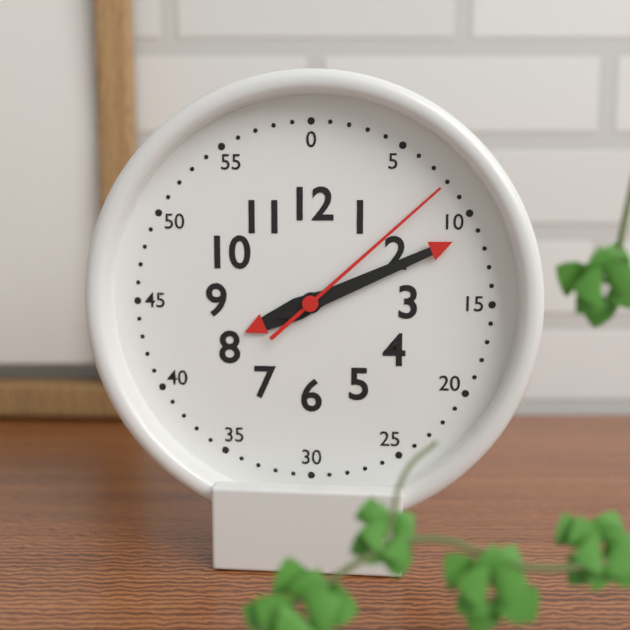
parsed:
8,11,08
